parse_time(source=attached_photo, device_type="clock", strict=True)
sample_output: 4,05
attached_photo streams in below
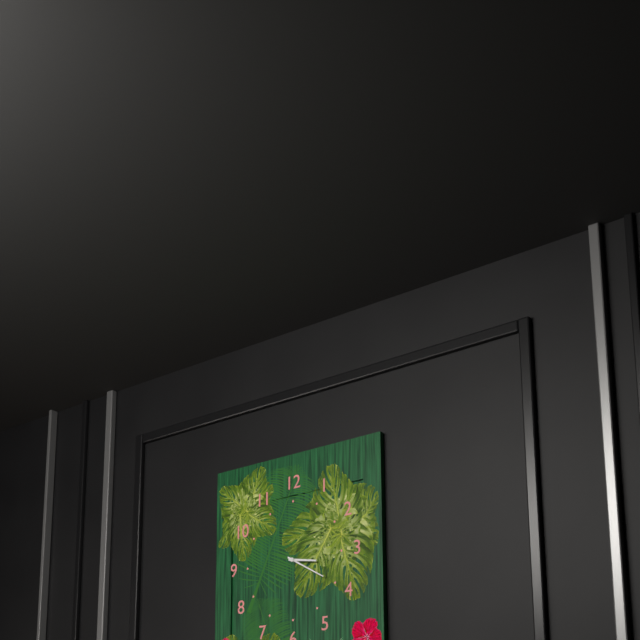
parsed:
3,20
